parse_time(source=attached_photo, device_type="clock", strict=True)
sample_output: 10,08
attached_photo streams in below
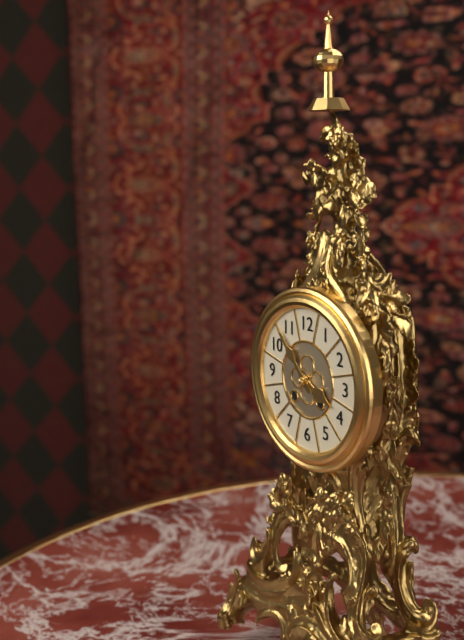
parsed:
3,53
